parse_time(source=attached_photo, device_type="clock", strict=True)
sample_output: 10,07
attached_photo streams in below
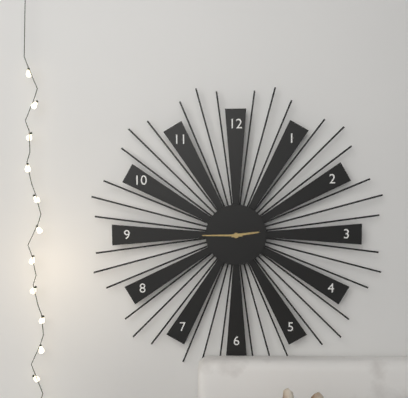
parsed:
2,45
